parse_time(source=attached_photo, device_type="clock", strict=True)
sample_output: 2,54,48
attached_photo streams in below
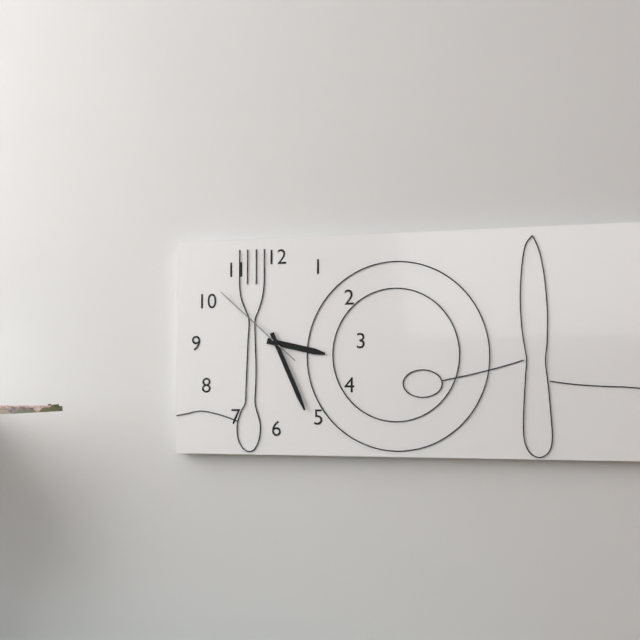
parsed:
3,26,52
